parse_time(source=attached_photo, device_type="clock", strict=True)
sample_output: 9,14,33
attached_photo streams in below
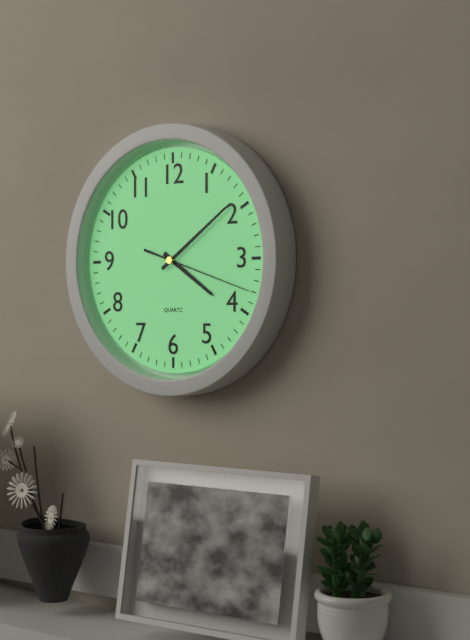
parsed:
4,09,18
